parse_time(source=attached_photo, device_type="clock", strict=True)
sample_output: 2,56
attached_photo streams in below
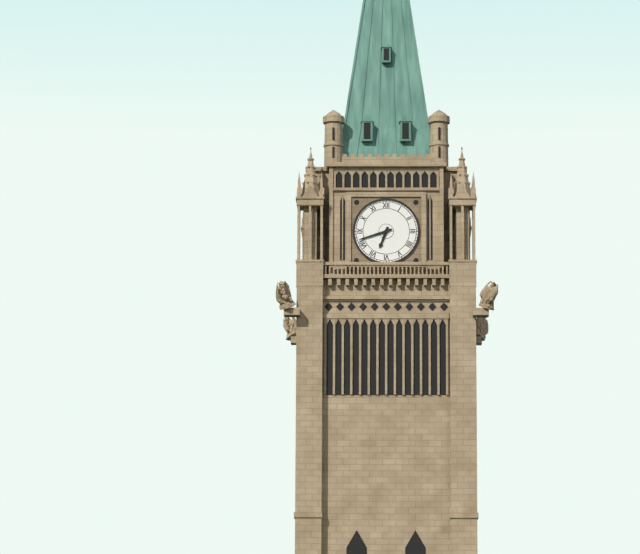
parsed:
6,42
